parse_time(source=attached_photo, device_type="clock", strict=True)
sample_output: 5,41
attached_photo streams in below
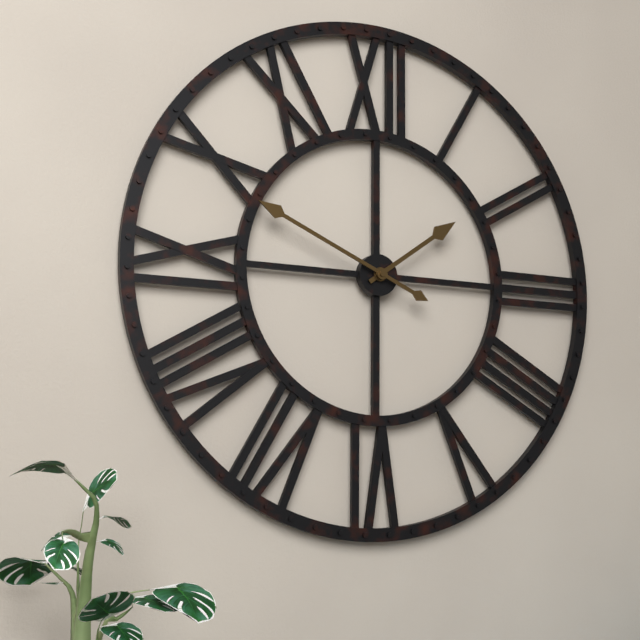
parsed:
1,49
